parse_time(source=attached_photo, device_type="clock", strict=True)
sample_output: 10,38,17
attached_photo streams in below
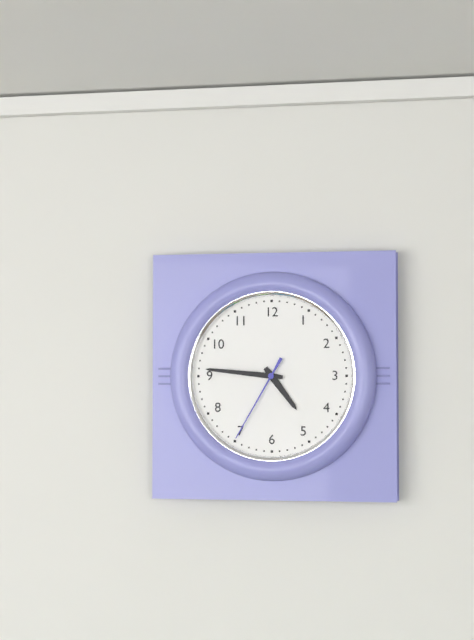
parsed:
4,46,35
